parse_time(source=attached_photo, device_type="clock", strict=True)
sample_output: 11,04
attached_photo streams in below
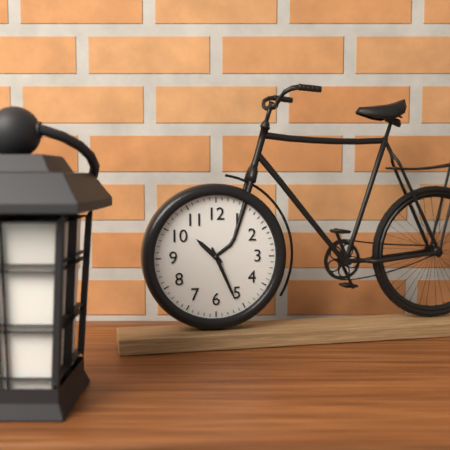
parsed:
10,26
